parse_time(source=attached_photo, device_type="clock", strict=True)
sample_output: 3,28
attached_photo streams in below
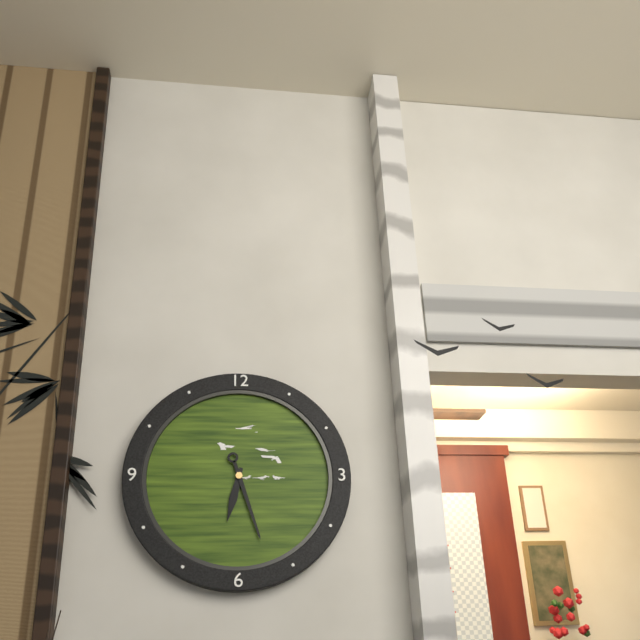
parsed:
6,27
